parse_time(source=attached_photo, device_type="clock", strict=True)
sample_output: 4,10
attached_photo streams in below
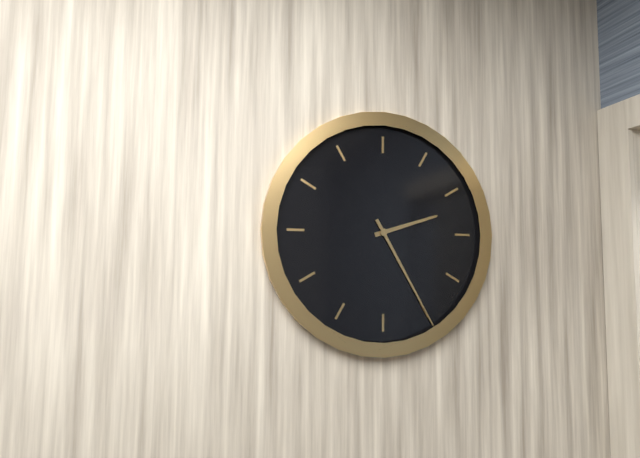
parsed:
2,25
